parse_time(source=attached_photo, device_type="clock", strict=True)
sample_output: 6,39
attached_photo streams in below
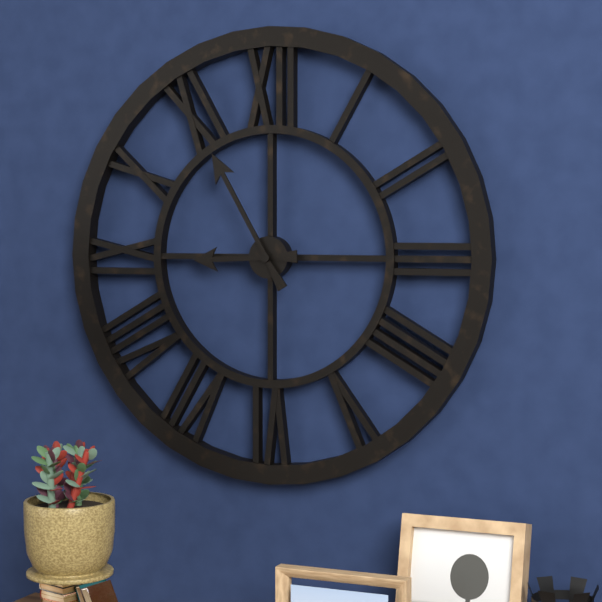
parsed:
8,55
